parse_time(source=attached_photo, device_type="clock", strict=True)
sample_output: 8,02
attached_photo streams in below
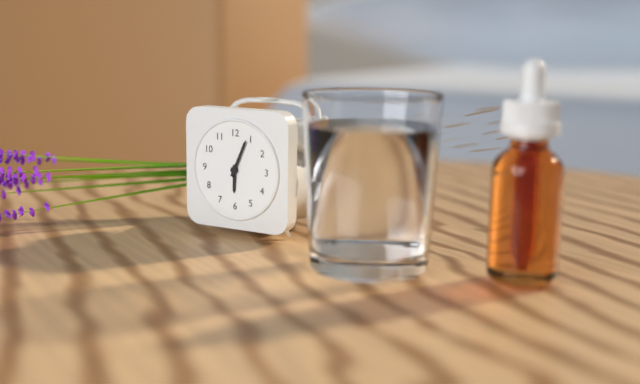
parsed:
6,04
